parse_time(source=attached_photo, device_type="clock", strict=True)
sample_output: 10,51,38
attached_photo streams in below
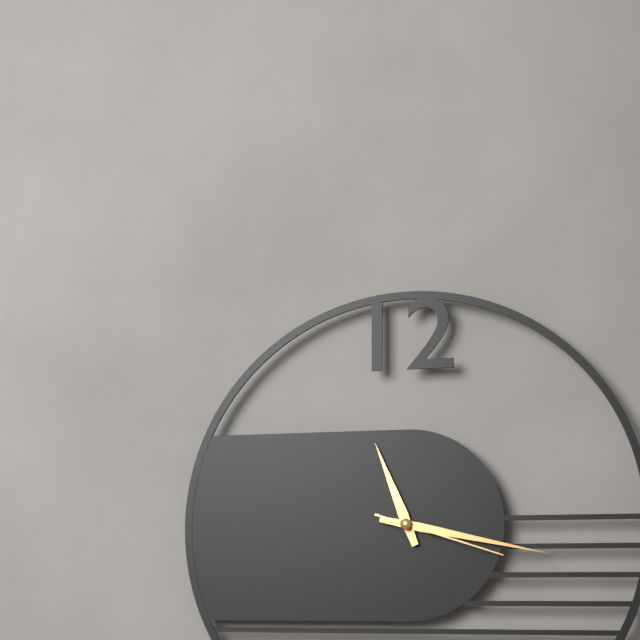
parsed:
11,17,18
